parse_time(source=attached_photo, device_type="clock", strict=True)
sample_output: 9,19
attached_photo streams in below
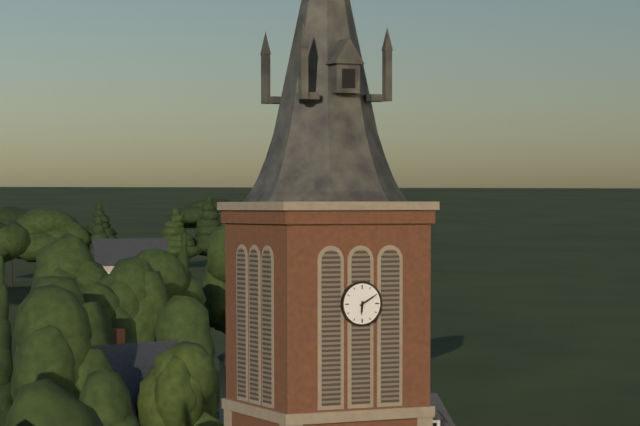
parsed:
6,10
